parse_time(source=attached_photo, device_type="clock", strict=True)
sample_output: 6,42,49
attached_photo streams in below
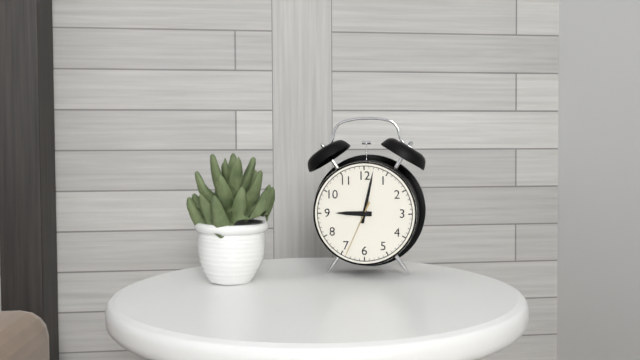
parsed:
9,02,34
